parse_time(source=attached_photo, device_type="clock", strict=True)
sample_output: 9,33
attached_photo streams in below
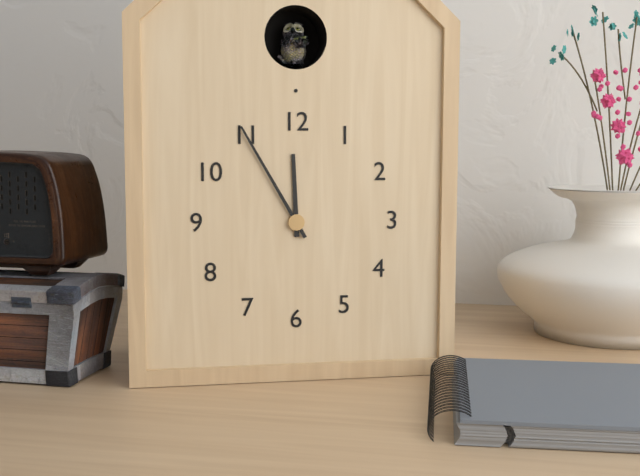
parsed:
11,55
